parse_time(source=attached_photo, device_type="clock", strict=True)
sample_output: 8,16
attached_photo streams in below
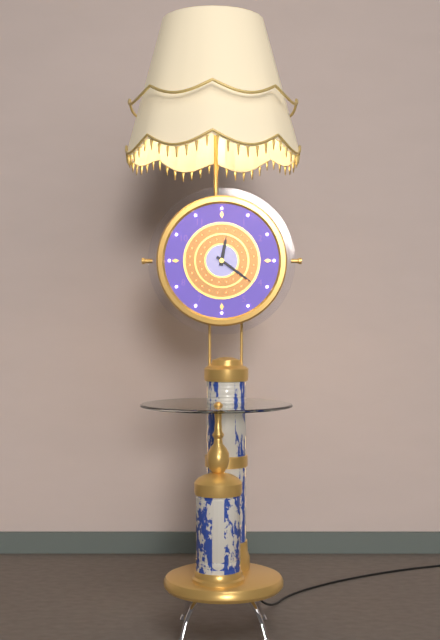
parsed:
12,21
